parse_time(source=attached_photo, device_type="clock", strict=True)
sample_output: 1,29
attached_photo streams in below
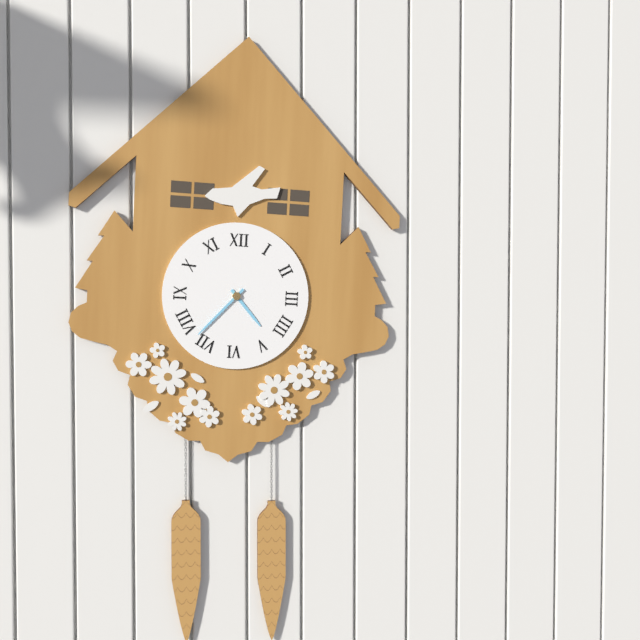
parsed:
4,37
